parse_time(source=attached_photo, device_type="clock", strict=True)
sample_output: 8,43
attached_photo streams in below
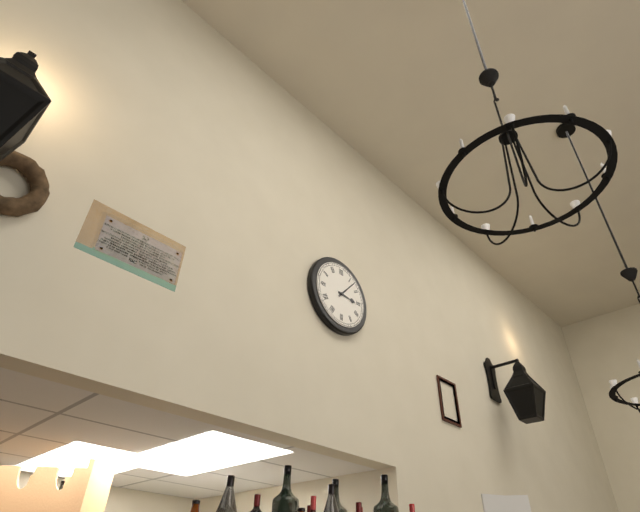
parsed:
3,07
